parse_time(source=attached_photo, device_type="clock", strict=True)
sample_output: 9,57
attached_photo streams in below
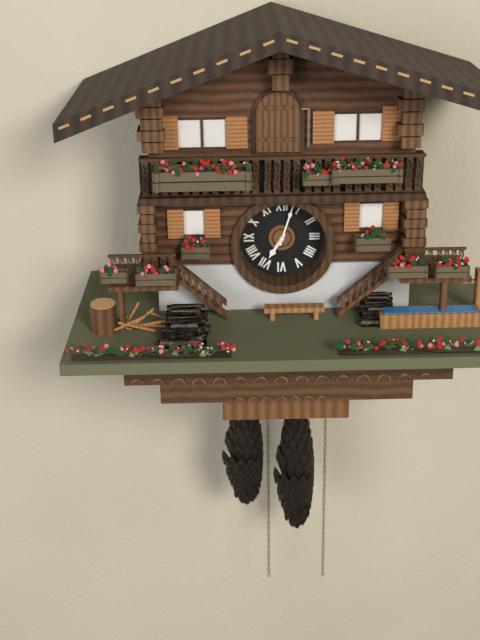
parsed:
7,03
